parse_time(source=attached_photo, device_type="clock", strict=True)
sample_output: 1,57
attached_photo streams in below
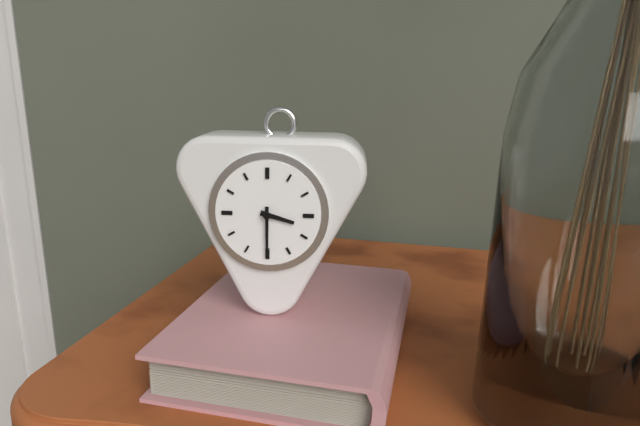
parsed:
3,30
